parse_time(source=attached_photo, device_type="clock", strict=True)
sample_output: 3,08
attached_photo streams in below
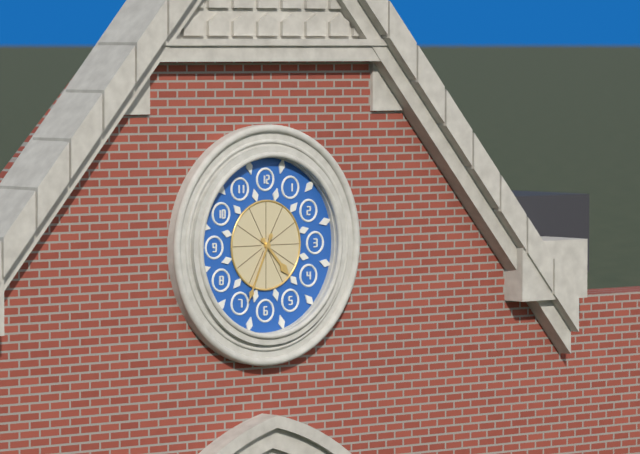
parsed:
4,34
